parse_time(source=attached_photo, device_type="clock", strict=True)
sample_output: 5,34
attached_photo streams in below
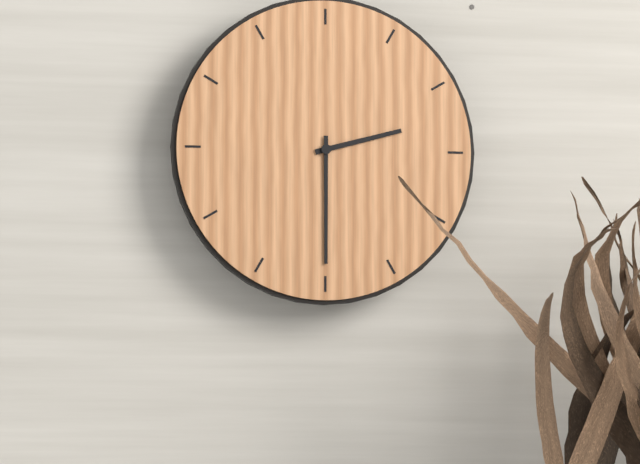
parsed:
2,30
